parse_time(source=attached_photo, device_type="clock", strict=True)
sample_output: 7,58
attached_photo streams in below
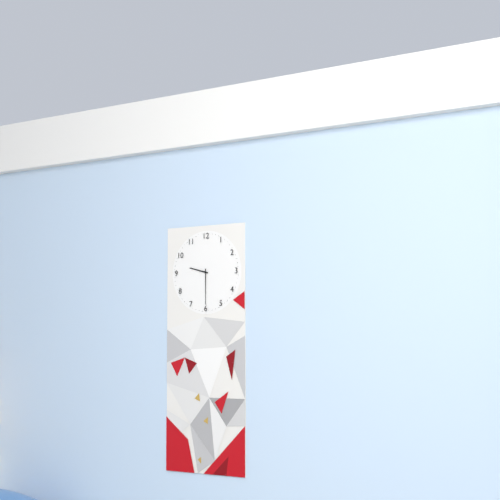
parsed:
9,30
